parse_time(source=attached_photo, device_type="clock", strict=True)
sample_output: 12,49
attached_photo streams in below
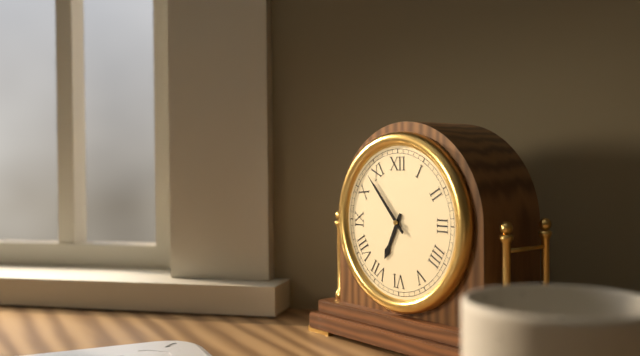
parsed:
6,53
